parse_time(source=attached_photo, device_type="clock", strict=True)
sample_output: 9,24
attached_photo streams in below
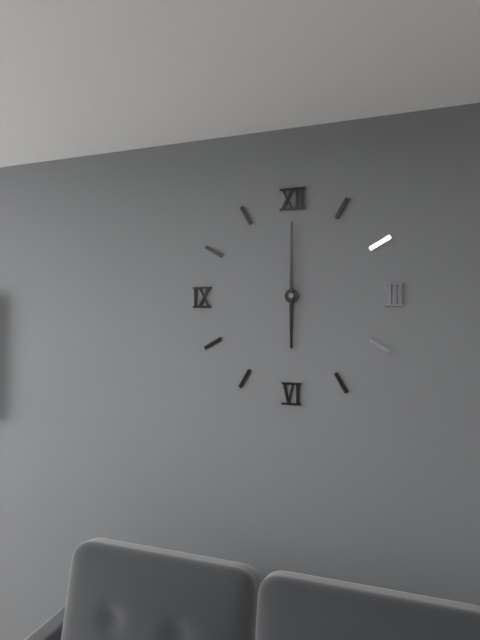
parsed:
6,00
